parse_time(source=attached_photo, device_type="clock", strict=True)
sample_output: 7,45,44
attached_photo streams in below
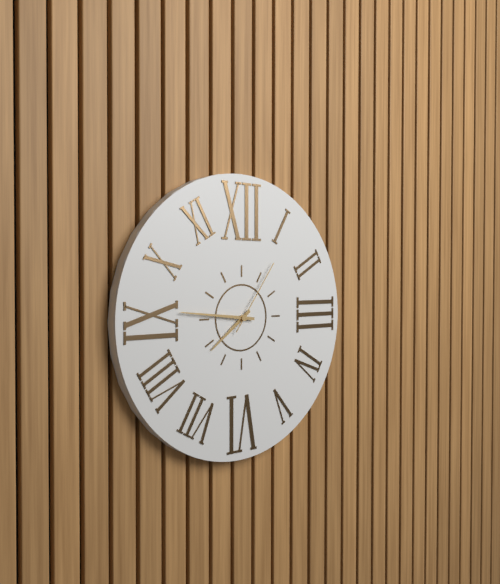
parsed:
7,46,06
